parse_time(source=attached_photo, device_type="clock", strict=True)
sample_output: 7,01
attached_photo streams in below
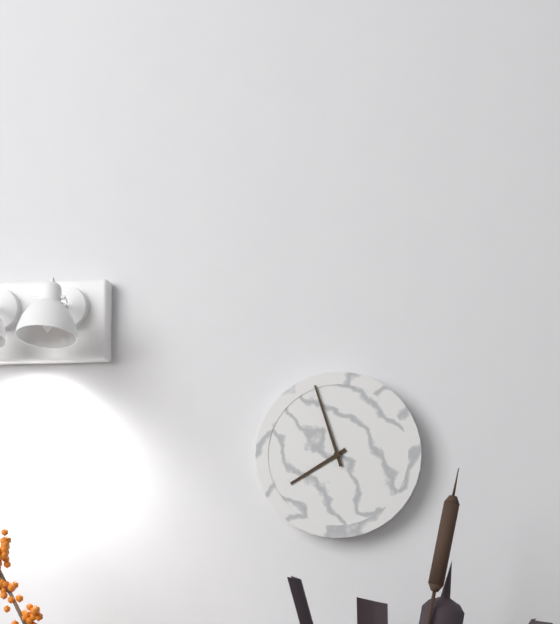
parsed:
7,57
